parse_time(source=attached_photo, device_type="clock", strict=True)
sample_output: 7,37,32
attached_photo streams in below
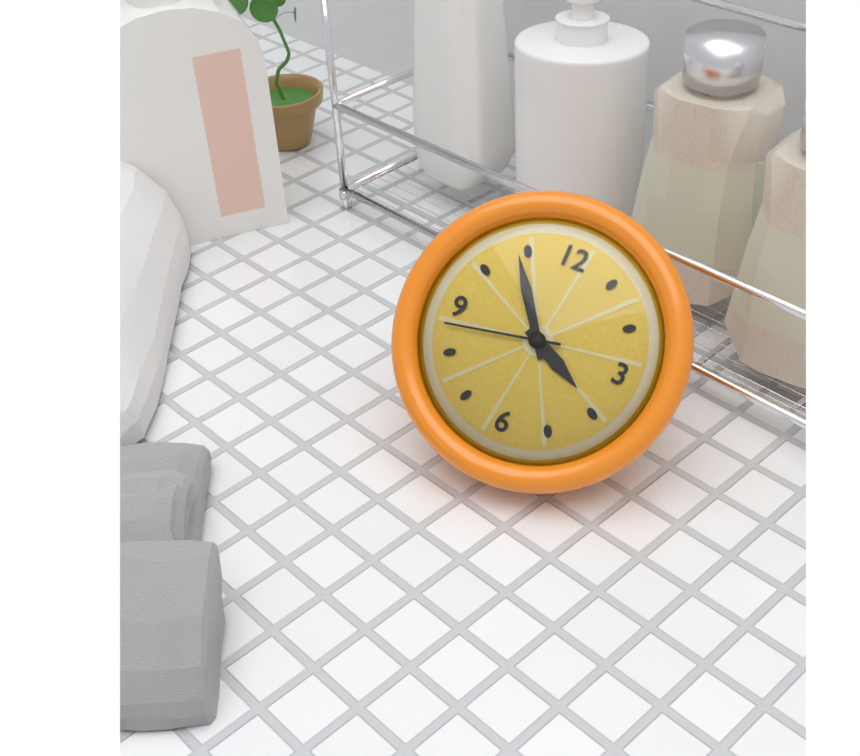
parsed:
3,54,43
